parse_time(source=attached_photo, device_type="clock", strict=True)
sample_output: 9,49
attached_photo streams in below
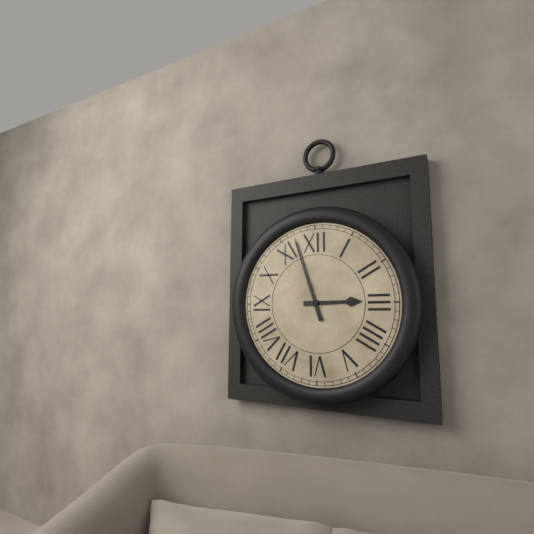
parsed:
2,57
